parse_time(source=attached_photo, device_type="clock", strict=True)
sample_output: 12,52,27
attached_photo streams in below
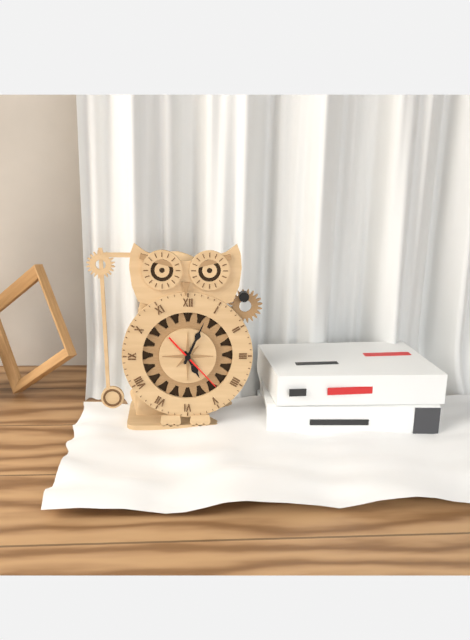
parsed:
5,04,23
